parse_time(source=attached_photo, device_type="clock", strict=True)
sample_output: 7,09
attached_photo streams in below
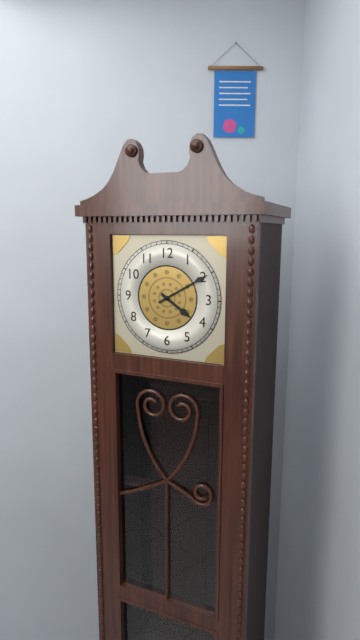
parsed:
4,10
